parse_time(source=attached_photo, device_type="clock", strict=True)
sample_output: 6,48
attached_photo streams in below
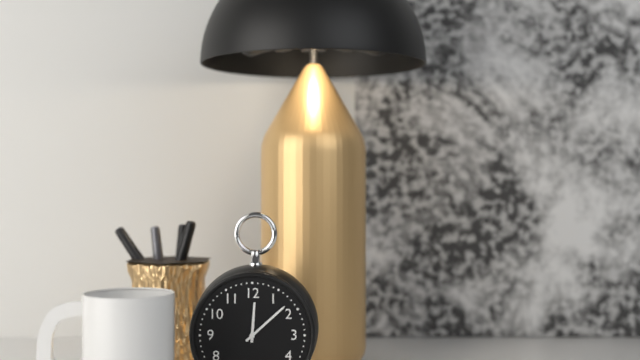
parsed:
12,08
